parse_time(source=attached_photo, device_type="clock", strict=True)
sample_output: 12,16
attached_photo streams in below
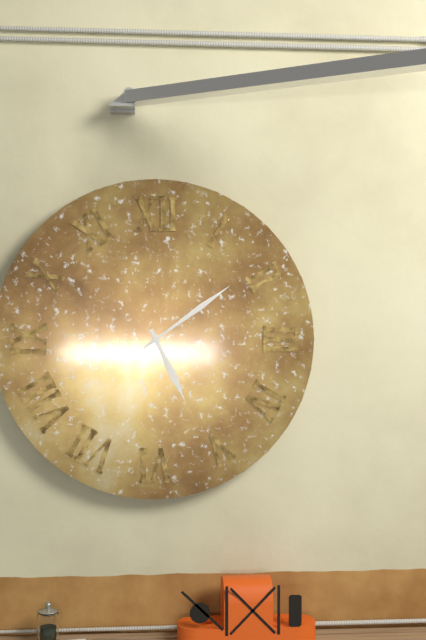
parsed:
5,09
